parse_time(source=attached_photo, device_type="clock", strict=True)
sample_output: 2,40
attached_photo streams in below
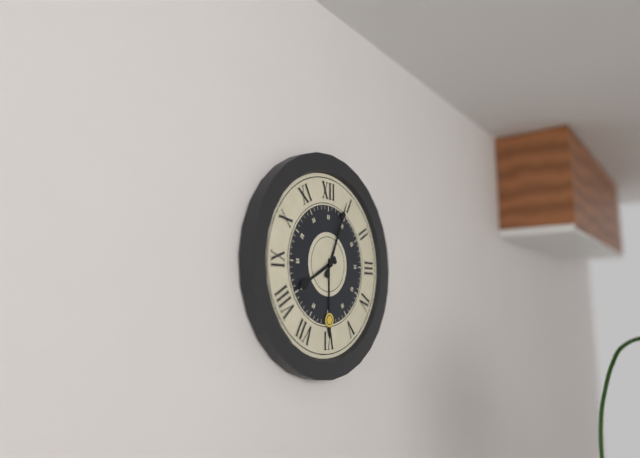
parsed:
8,04
